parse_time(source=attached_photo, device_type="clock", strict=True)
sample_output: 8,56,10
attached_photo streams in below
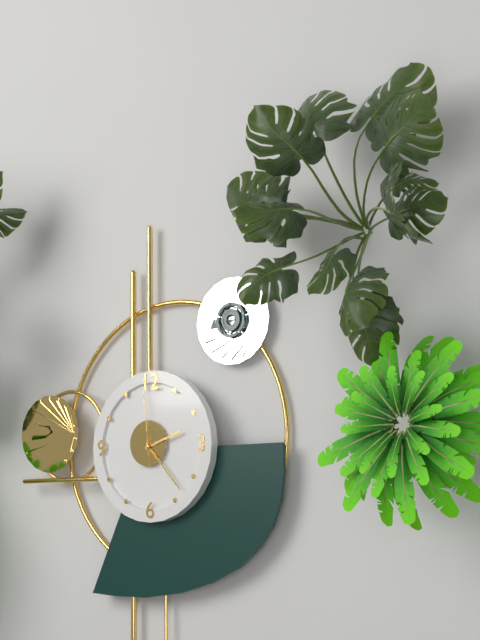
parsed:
2,23,59
